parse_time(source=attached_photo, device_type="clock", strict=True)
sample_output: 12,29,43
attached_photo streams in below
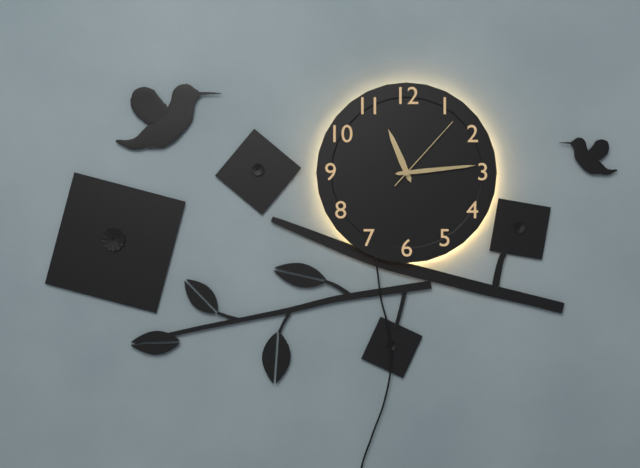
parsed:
11,14,07
